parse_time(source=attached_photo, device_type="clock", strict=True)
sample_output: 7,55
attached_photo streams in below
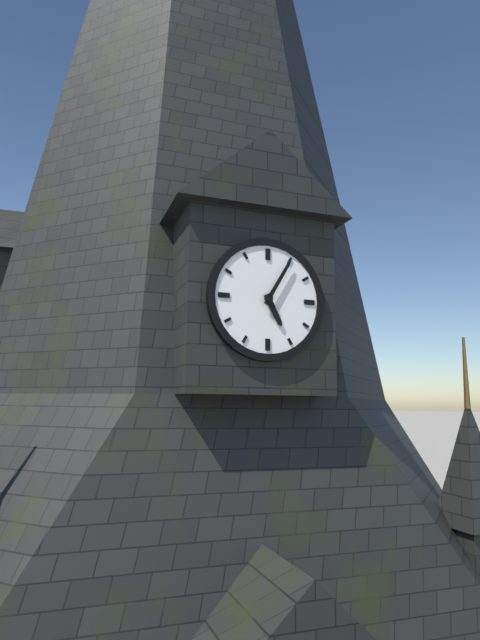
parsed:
5,05
